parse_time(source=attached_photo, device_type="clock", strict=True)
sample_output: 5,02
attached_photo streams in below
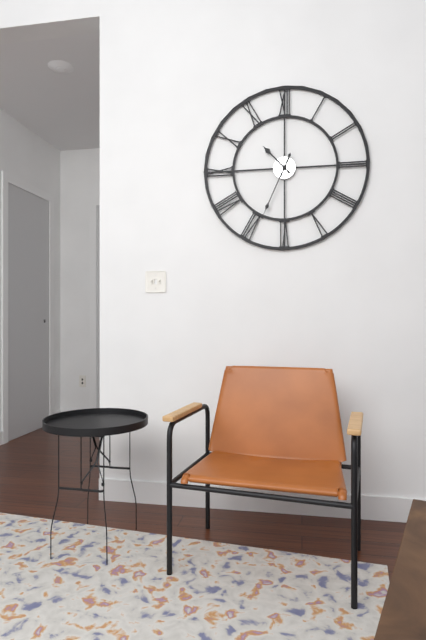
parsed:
10,34
